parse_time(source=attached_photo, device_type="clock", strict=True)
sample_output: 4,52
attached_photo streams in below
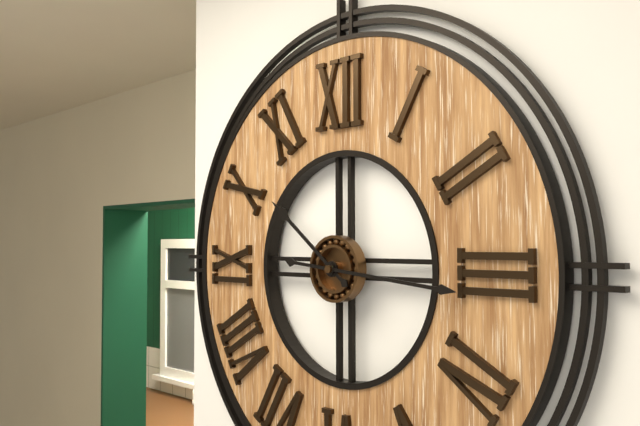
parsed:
10,16
